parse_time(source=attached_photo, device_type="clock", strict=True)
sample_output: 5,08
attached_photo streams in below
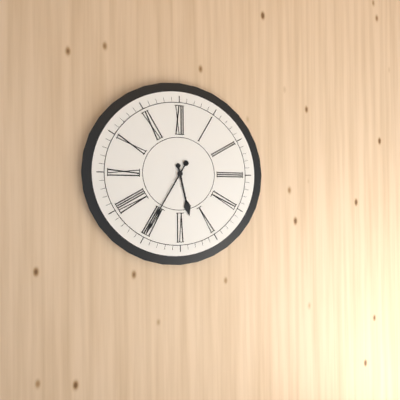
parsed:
5,35
